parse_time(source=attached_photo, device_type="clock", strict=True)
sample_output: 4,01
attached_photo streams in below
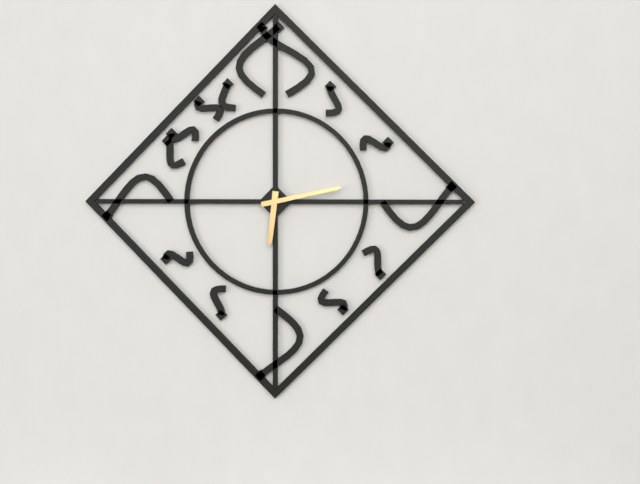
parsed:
6,13
